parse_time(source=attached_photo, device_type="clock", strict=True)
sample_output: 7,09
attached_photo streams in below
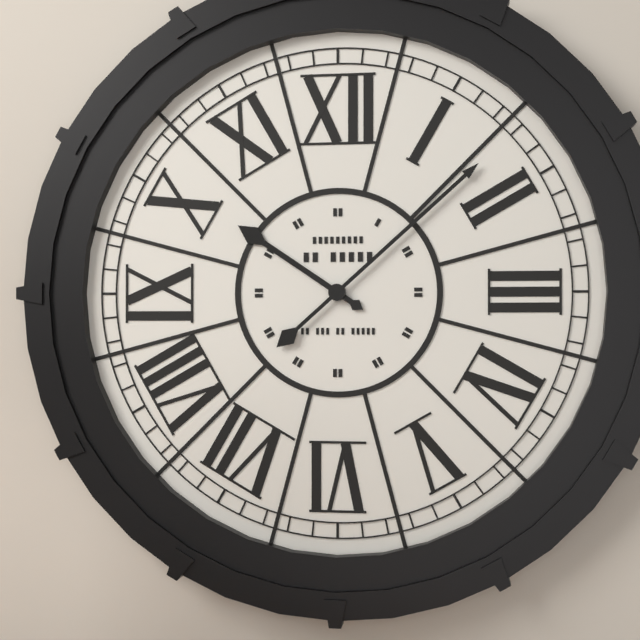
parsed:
10,08
